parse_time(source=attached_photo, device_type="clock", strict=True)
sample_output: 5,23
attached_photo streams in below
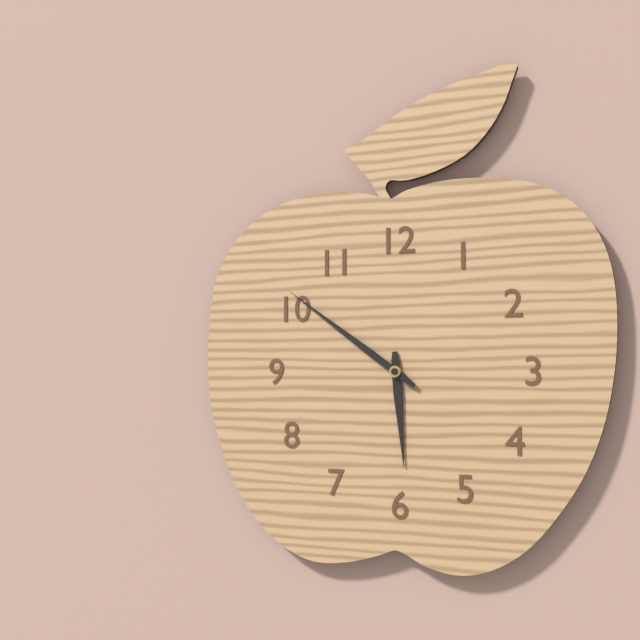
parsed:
5,51
